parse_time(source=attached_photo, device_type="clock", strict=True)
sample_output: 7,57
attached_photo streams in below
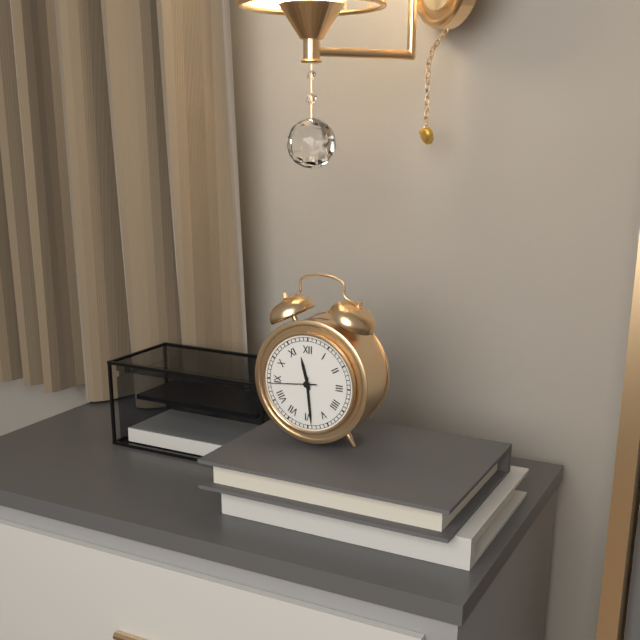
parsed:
11,29
